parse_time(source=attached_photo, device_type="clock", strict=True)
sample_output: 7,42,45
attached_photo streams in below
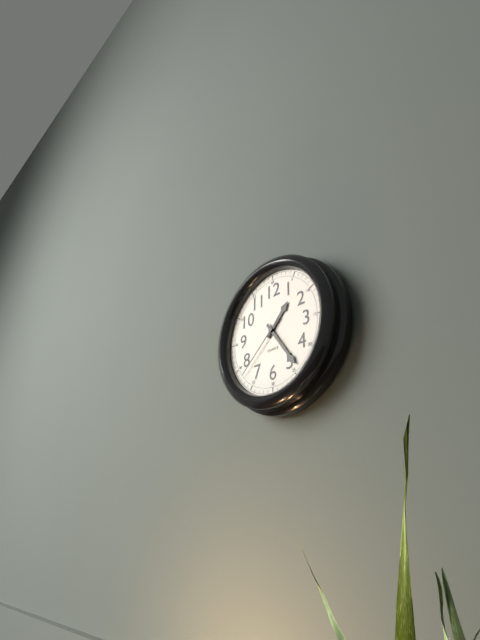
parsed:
1,24,38
